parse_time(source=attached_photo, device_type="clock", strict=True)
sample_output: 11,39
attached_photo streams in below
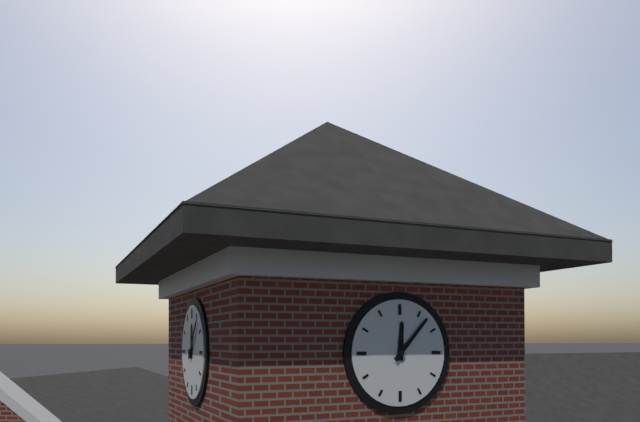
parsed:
12,07
